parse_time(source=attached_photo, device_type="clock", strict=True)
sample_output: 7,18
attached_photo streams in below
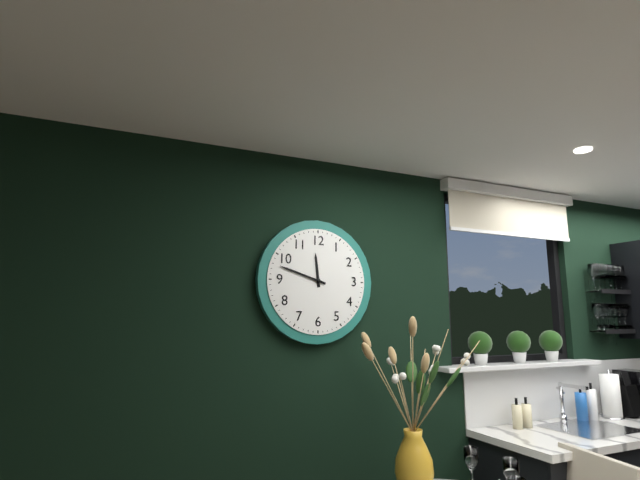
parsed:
11,48
